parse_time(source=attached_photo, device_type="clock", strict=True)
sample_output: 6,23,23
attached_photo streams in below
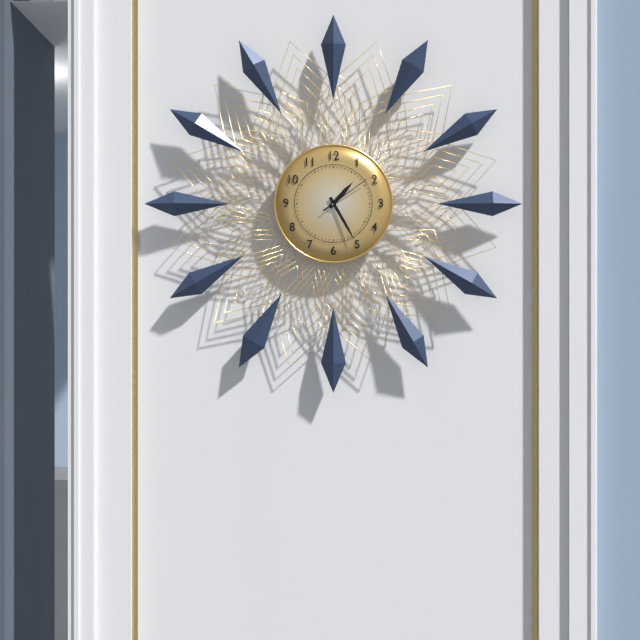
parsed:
1,25,09
